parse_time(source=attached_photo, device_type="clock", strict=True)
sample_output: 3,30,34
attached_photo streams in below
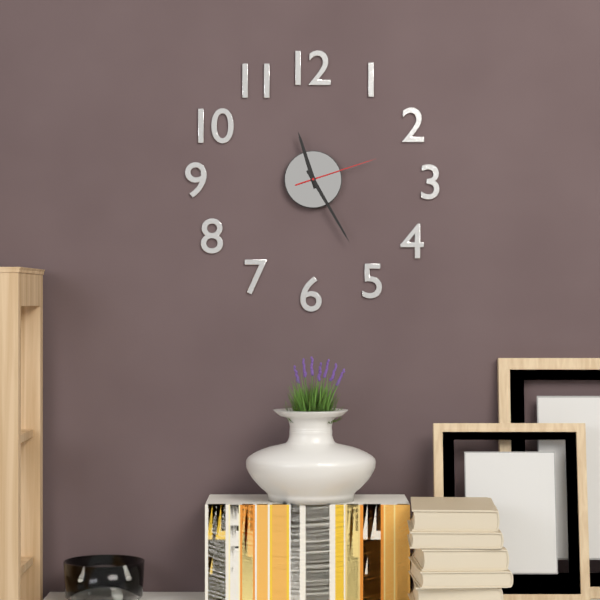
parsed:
11,25,12
